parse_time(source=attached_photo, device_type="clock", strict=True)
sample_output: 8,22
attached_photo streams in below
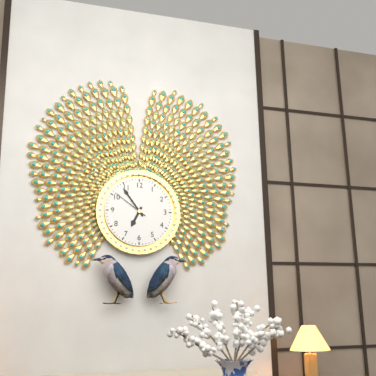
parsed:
6,54
